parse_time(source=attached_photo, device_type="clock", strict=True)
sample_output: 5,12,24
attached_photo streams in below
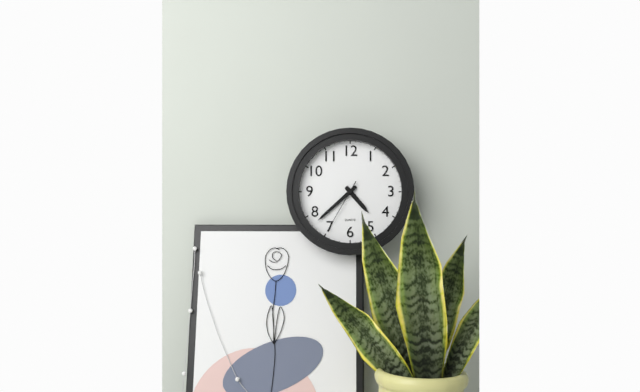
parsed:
4,38,35
